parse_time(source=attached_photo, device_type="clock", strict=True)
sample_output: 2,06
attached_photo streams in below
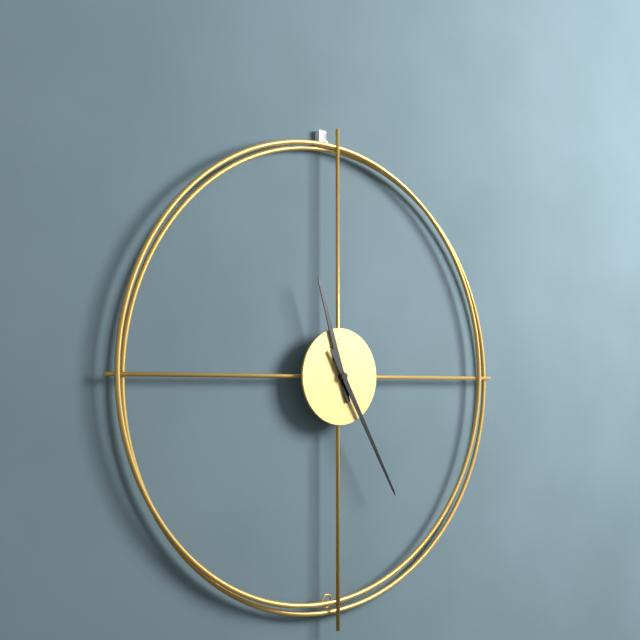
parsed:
11,25
